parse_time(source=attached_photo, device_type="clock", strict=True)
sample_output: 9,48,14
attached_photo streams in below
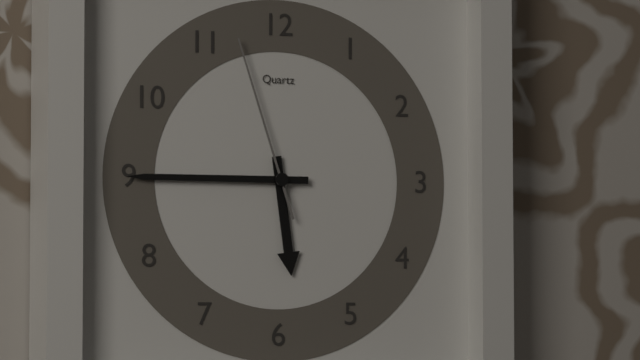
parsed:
5,45,57
